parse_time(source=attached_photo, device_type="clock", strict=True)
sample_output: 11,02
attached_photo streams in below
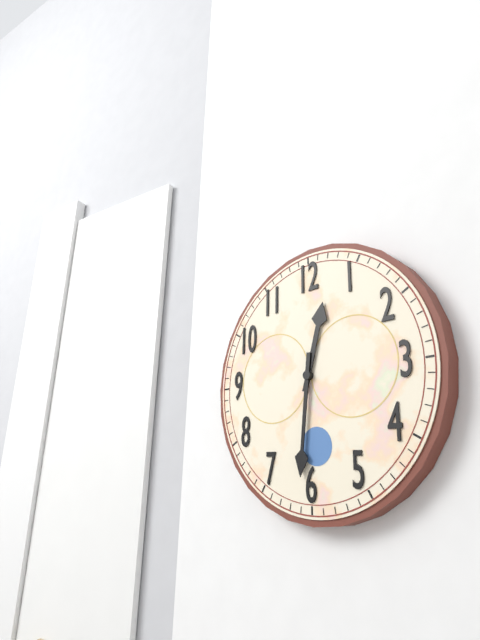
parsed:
12,31
